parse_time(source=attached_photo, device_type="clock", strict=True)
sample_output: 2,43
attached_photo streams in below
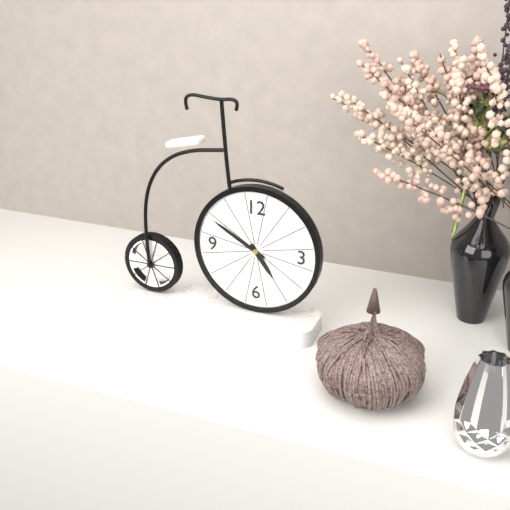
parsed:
4,50
